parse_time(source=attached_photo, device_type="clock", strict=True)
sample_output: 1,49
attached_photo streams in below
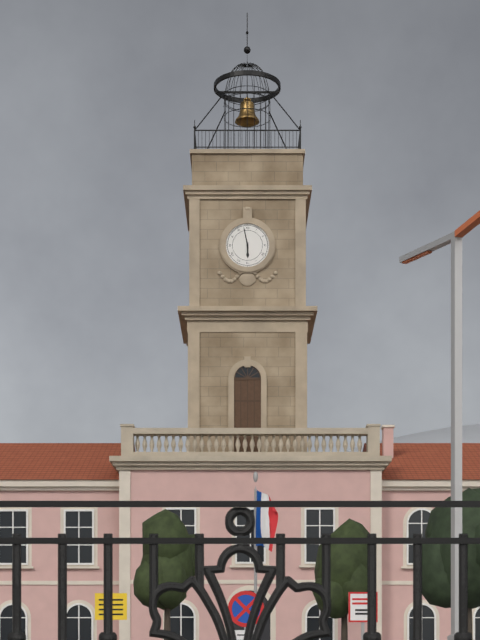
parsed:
5,58
